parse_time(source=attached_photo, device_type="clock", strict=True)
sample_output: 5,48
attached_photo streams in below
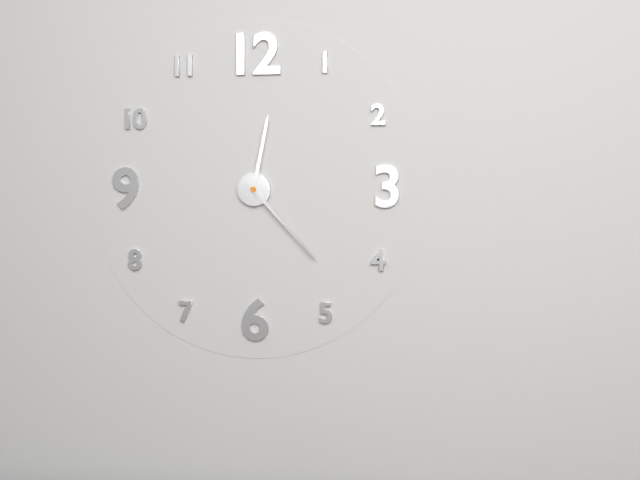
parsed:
12,23
